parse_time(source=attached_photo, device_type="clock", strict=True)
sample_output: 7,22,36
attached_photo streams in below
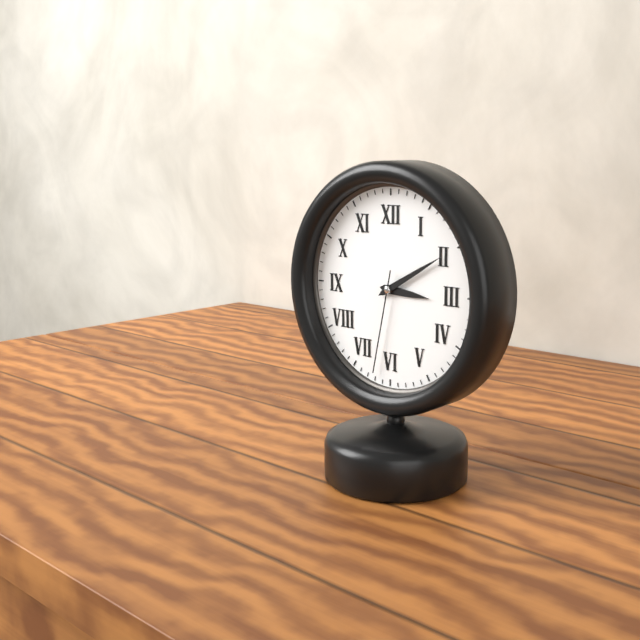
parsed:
3,10,32
